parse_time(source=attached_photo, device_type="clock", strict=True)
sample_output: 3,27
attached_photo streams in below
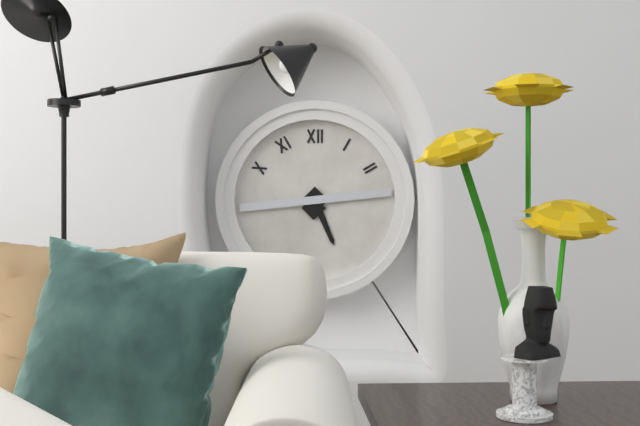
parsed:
5,14
